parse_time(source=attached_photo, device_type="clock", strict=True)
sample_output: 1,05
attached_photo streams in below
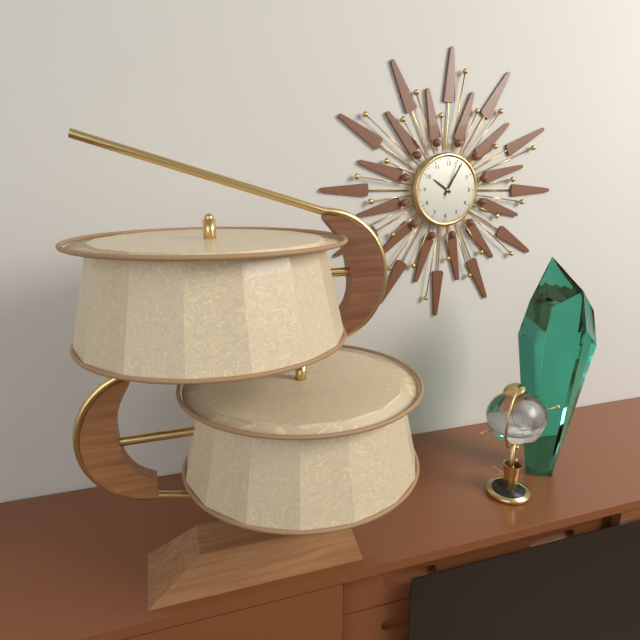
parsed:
10,05
